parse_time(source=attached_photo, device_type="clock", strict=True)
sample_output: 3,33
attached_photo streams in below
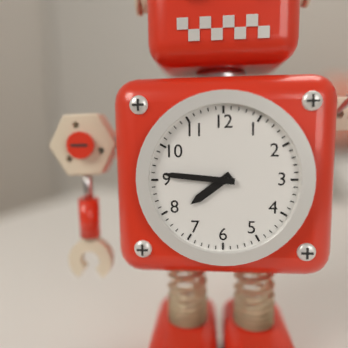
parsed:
7,46
